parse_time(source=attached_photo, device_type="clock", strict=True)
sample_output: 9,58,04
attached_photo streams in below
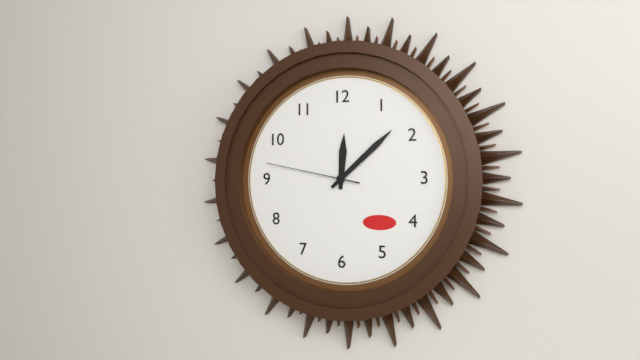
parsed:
12,08,47
